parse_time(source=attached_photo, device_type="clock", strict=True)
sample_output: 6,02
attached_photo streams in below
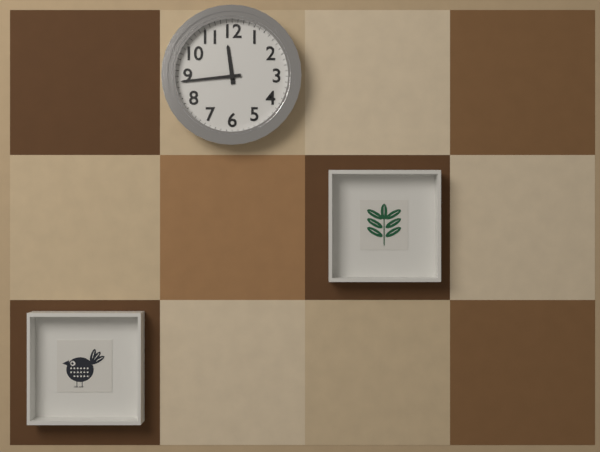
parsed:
11,44
